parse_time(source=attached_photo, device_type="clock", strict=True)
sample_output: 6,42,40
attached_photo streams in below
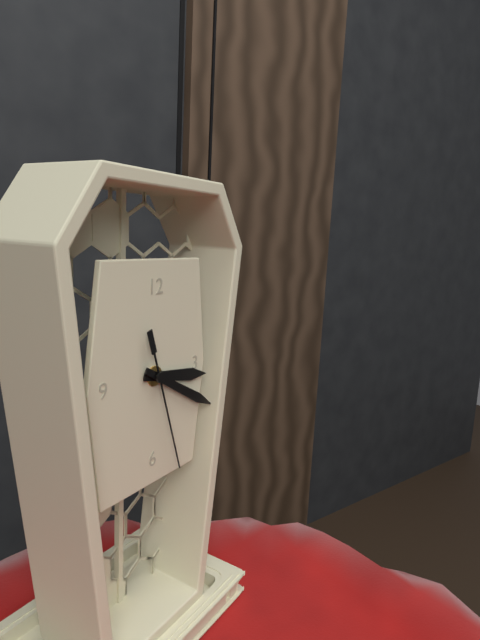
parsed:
3,20,27
